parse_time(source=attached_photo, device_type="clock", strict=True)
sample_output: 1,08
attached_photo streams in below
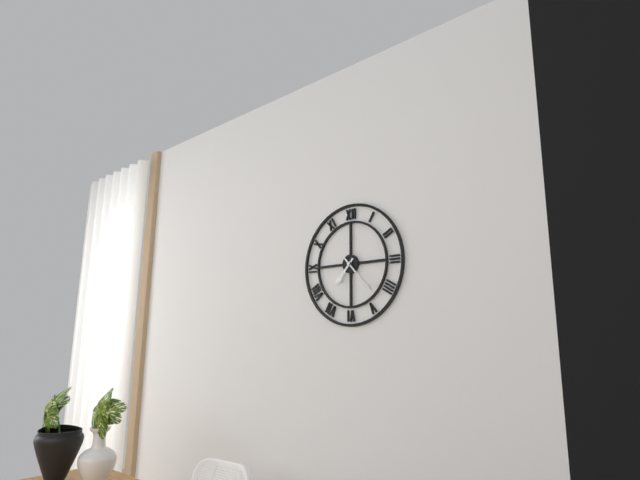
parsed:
7,23
